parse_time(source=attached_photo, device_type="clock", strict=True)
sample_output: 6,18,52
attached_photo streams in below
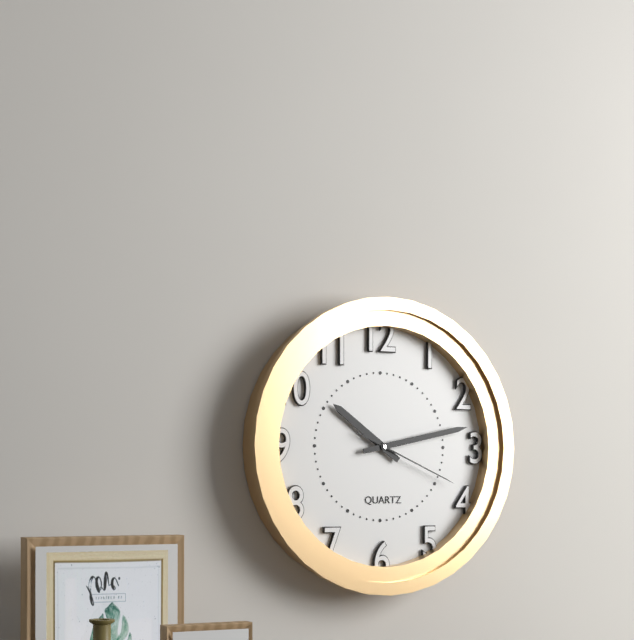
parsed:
10,13,19
